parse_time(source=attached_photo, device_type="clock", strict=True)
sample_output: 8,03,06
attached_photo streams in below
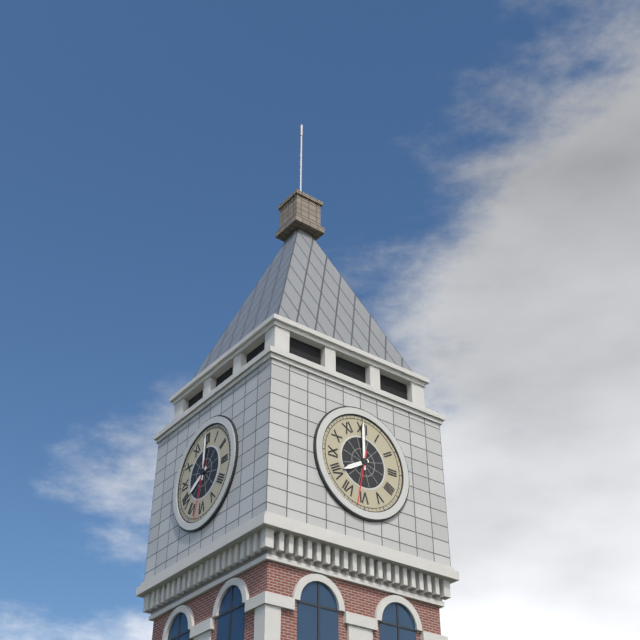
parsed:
8,00,32
